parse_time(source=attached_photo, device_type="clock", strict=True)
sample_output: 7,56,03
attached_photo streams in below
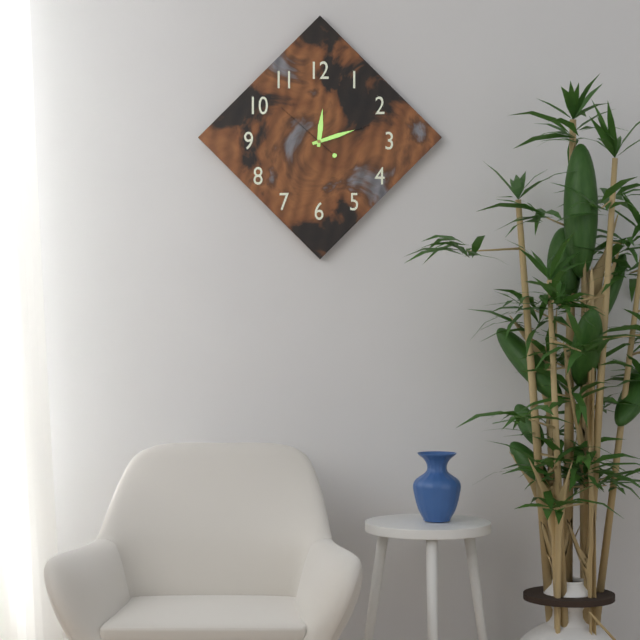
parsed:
12,12,52
